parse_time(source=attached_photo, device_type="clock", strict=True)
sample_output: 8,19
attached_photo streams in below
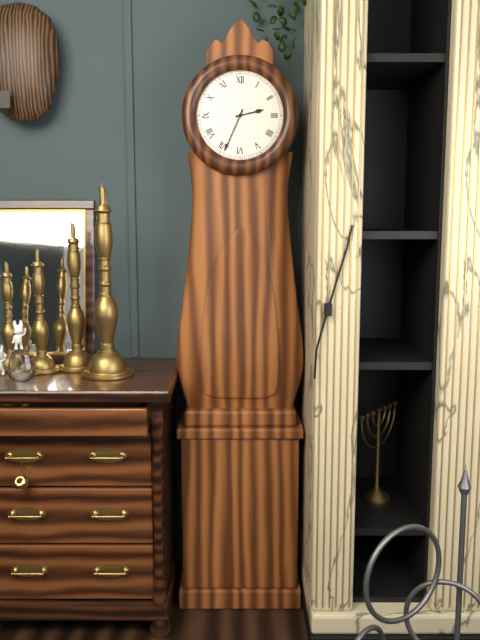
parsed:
2,34
